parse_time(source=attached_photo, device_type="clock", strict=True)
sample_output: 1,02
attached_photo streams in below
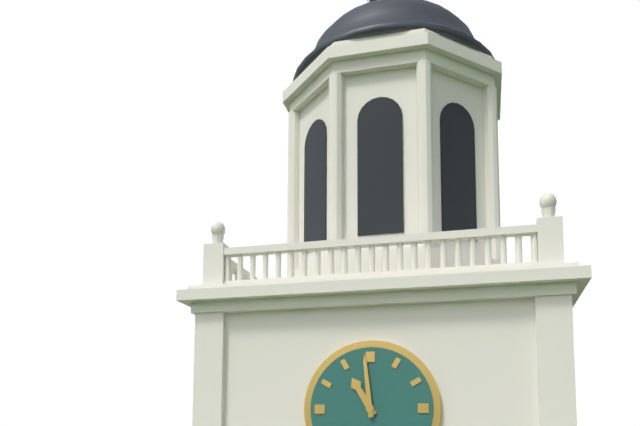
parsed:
10,59
